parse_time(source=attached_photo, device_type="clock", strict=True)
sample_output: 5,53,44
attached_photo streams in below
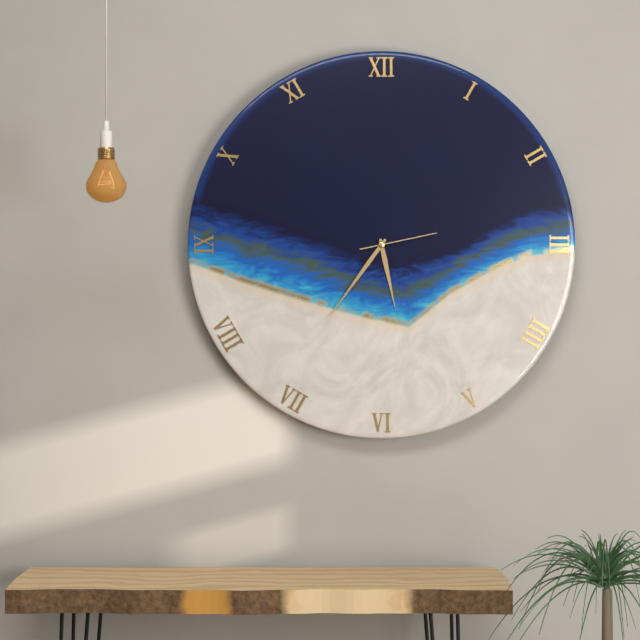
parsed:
5,36,13
